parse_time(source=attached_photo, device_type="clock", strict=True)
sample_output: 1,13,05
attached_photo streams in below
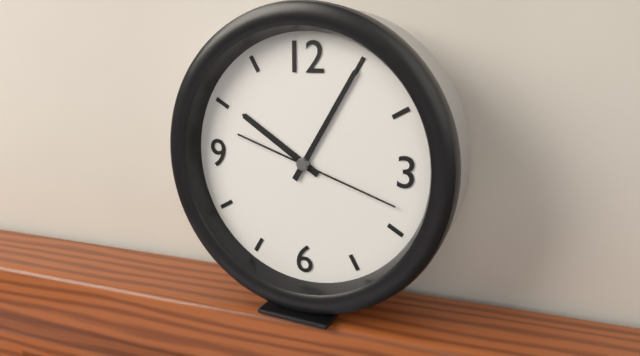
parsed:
10,05,18
